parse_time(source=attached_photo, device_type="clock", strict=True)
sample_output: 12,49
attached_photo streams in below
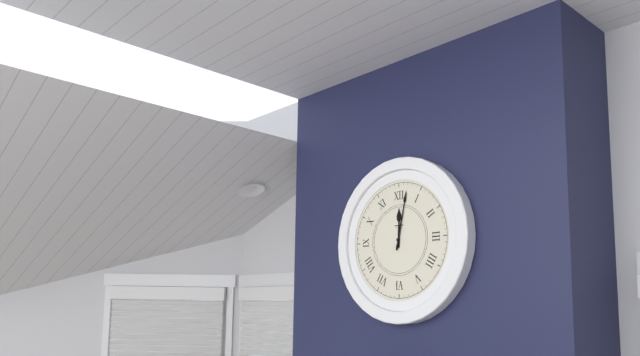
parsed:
12,02
